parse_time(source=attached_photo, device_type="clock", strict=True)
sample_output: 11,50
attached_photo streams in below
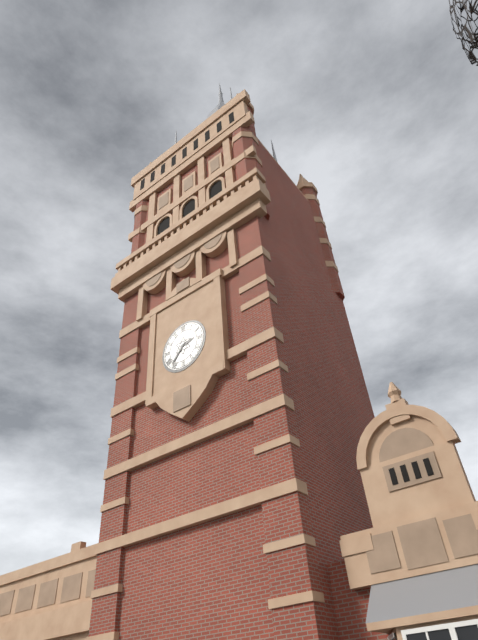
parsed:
2,37
